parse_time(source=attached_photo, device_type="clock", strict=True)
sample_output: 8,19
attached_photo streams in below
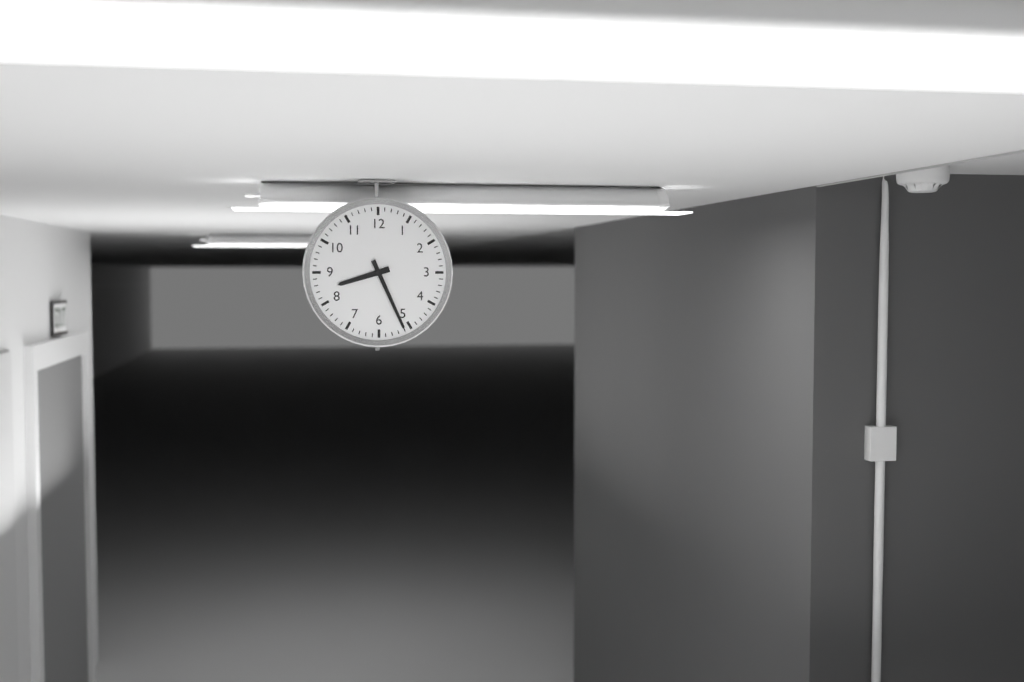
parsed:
8,26
